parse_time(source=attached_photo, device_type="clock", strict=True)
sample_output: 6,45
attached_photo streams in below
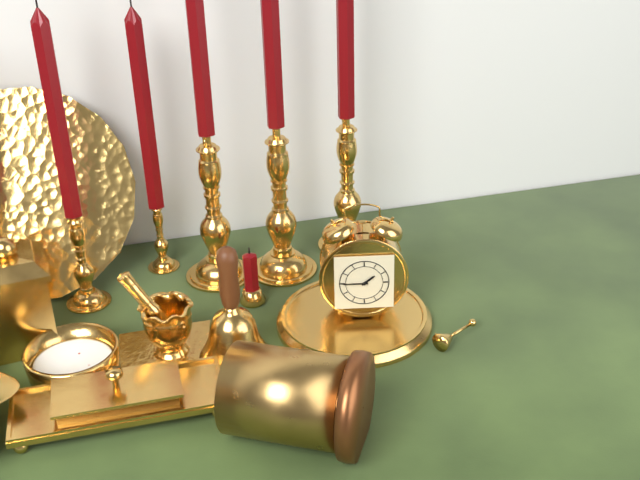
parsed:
1,45
